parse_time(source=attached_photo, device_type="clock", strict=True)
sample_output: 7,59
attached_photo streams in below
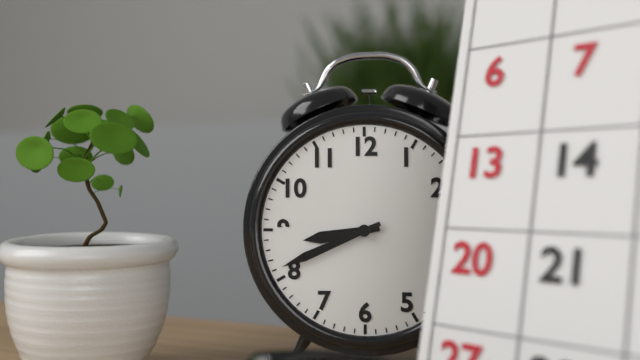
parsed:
8,41
